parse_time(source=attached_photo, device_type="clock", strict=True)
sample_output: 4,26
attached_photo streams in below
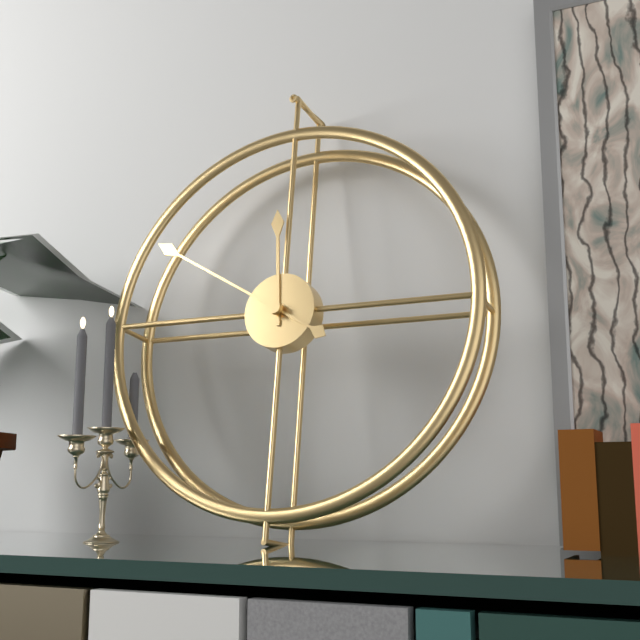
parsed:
11,50
